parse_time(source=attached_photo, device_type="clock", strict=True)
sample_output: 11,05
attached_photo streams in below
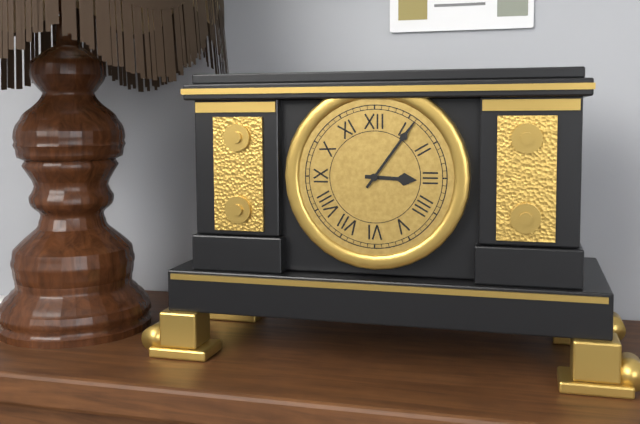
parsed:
3,06
